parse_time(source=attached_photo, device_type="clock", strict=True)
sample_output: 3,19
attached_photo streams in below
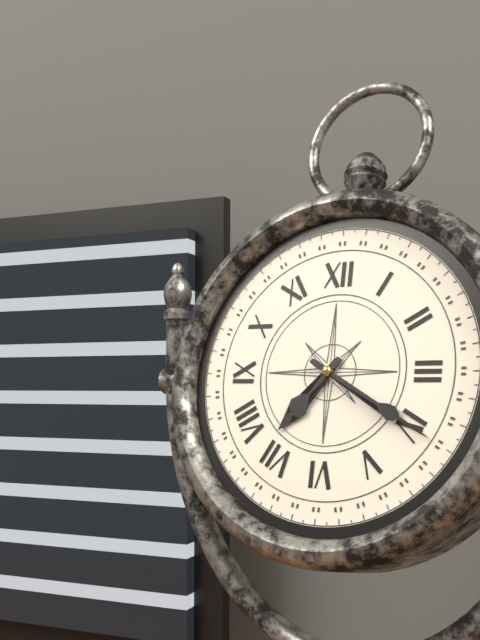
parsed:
7,20
